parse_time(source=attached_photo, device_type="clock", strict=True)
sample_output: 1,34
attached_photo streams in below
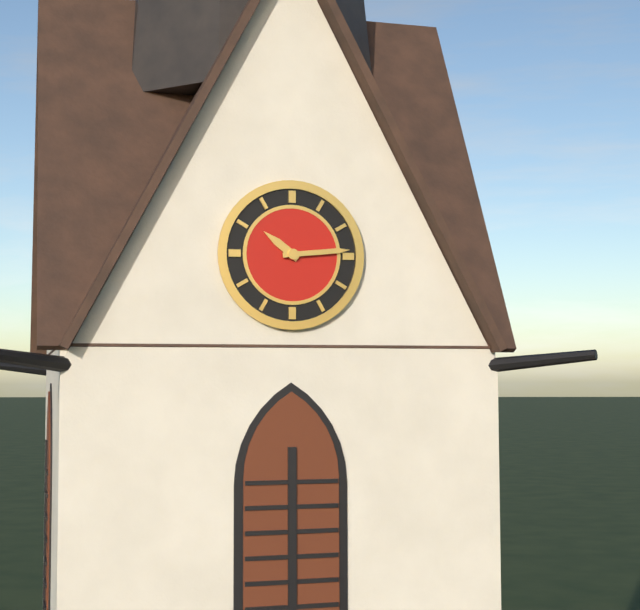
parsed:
10,14
